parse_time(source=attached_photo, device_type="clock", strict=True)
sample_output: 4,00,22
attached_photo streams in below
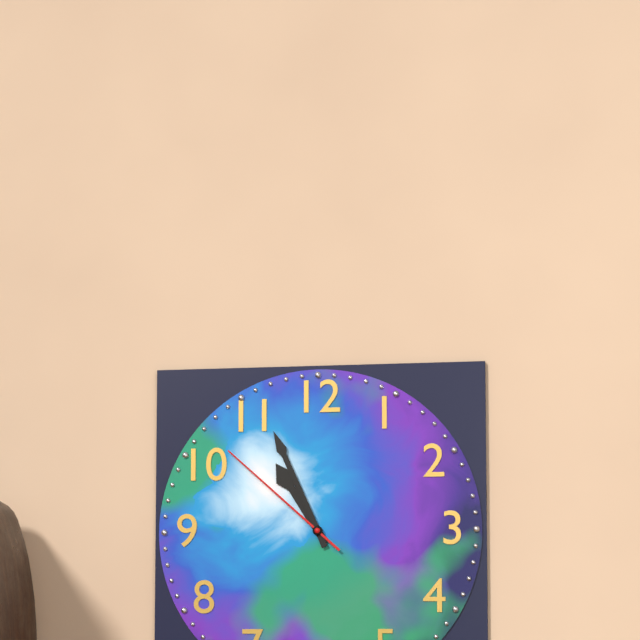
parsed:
10,56,52
